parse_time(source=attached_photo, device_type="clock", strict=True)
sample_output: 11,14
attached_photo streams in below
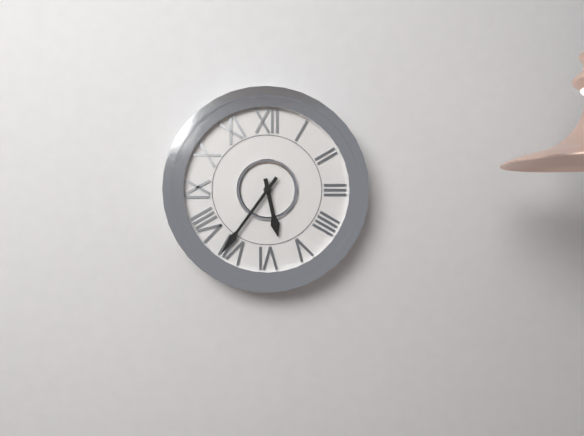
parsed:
5,36
